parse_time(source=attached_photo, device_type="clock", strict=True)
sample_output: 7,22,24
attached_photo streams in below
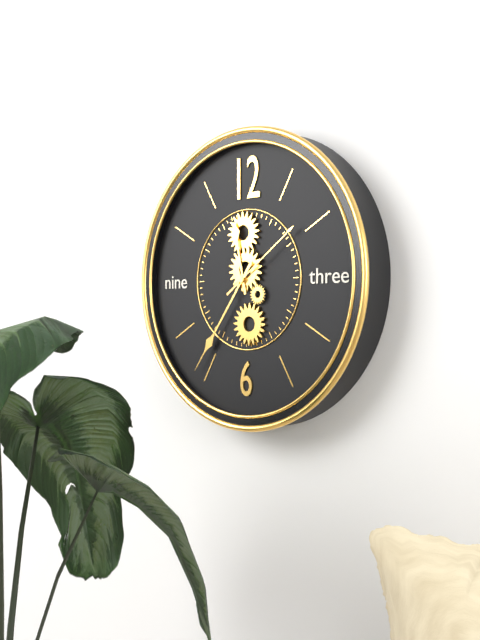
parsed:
11,36,09
